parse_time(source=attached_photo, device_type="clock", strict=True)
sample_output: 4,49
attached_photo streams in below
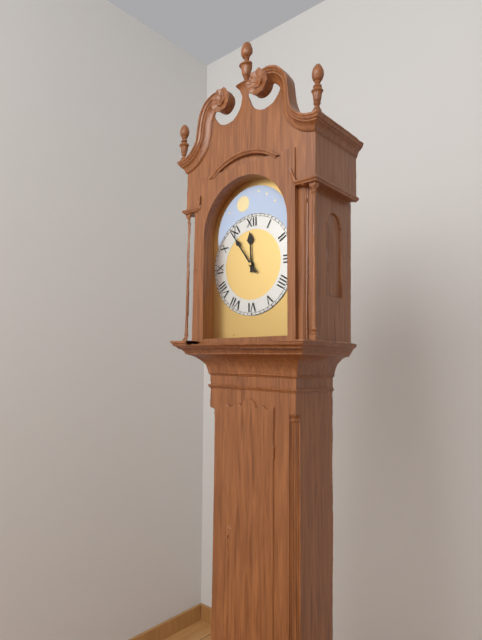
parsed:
11,54
